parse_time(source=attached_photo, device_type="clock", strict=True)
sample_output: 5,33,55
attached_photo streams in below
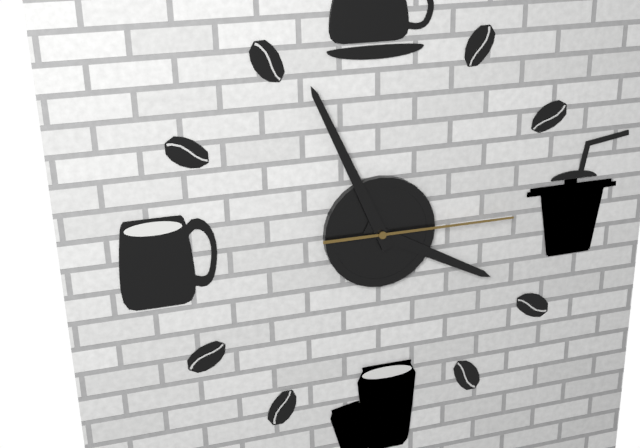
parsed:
3,56,15
